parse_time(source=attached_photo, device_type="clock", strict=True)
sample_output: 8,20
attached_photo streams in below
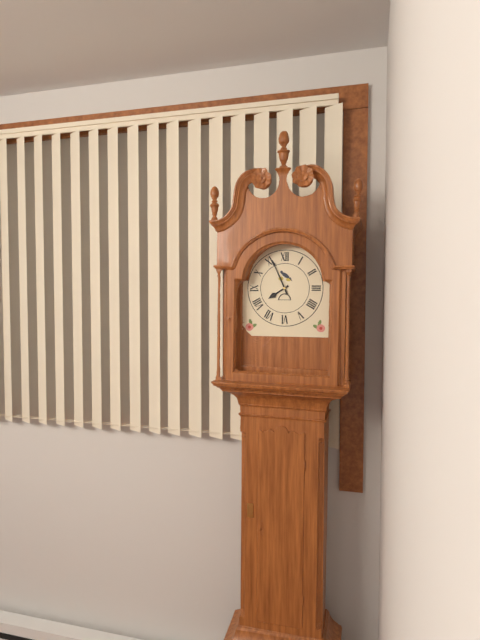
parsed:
7,56
